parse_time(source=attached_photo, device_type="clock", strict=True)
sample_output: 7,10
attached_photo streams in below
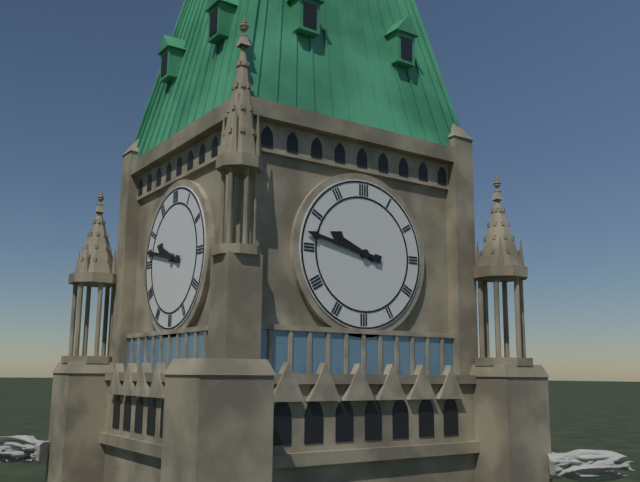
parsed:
9,47
